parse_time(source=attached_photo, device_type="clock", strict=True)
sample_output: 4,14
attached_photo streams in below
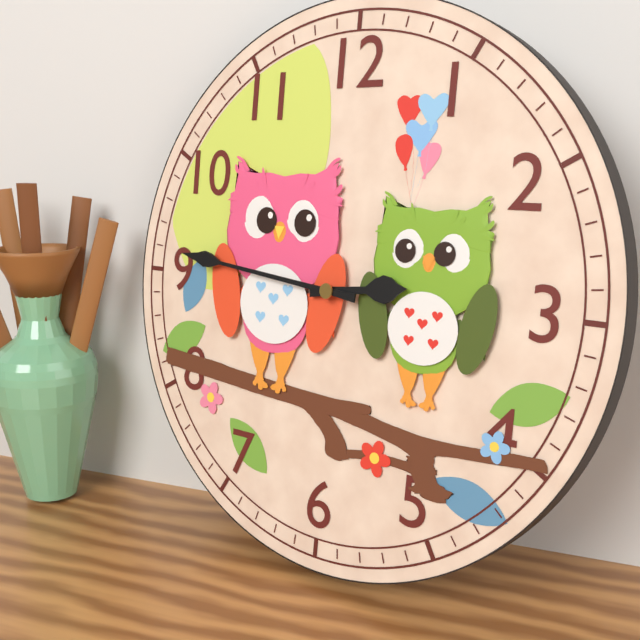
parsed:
2,46
